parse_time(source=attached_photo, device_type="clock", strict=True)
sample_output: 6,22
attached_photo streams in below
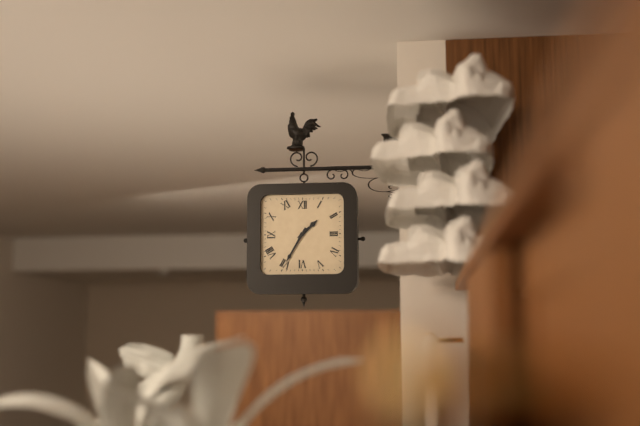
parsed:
1,35
